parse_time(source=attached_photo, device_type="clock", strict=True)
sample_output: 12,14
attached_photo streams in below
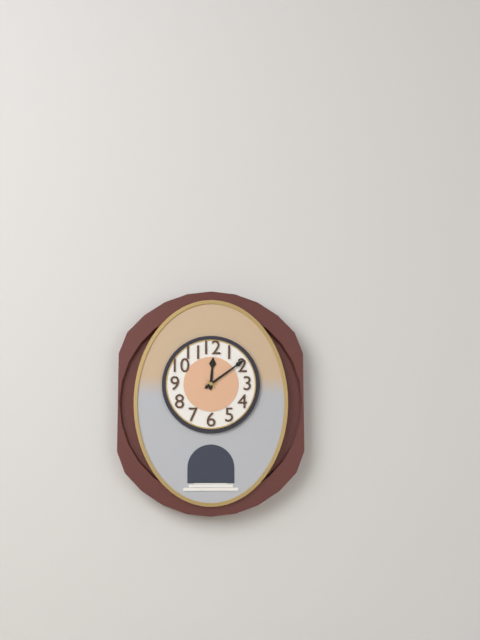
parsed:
12,09
